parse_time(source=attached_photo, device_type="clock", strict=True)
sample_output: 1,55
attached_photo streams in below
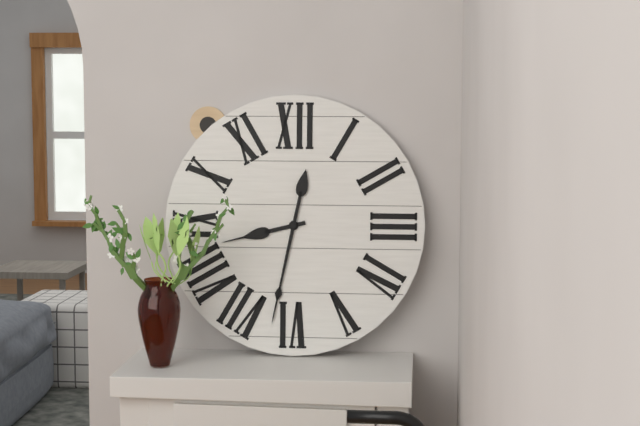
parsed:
8,32
